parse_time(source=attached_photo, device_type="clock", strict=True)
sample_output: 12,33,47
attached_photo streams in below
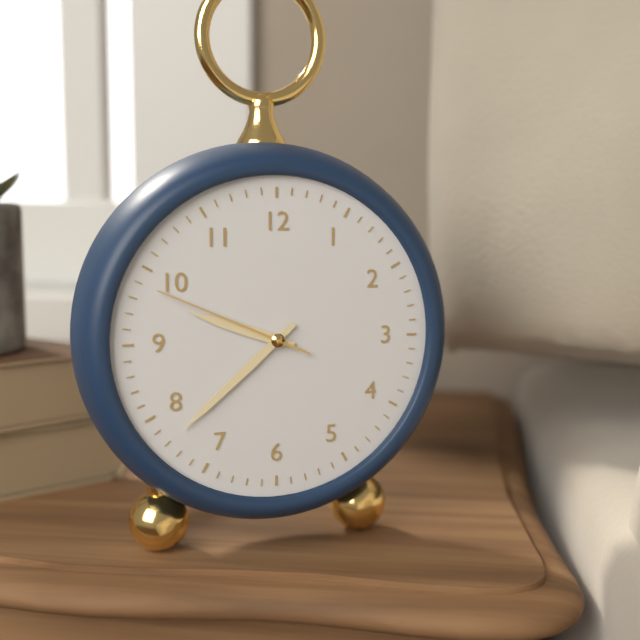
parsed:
9,38,49
